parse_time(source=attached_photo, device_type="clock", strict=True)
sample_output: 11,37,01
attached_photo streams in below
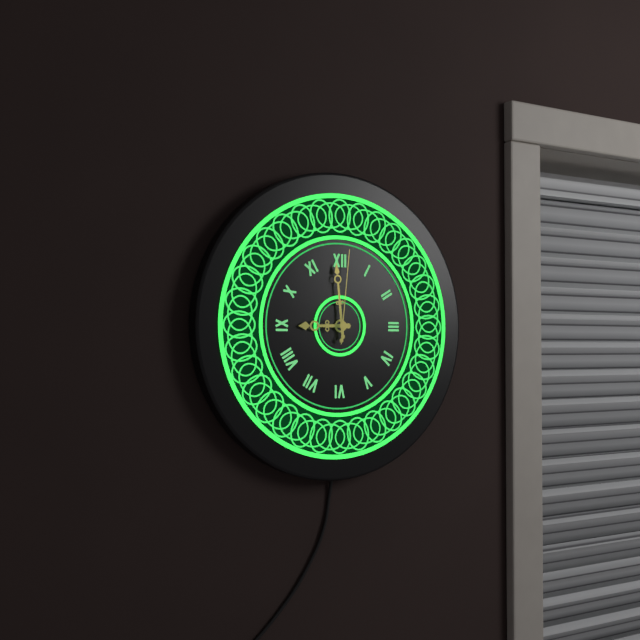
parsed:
8,59,01
